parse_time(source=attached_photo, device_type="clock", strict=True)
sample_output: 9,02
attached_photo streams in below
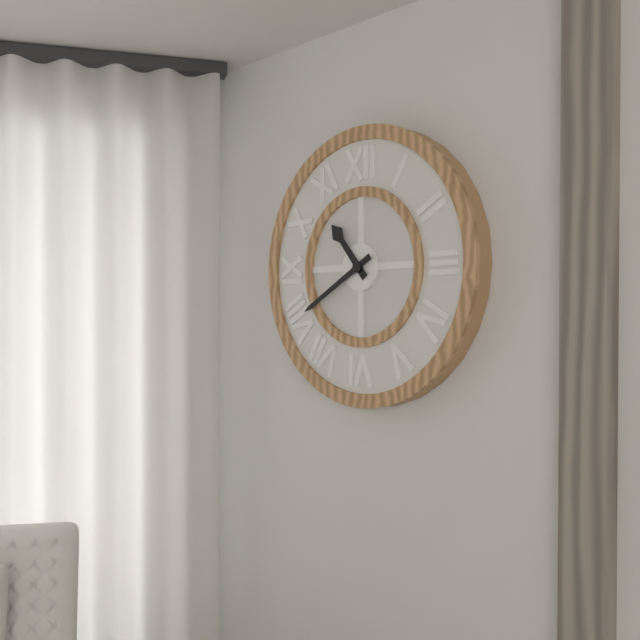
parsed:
10,40
